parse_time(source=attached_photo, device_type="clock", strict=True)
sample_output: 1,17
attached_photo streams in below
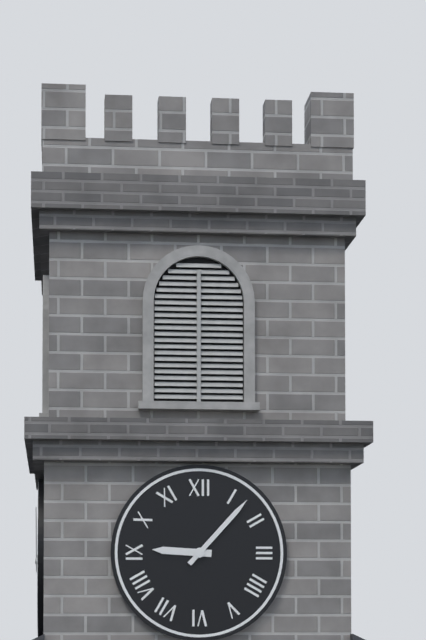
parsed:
9,07
